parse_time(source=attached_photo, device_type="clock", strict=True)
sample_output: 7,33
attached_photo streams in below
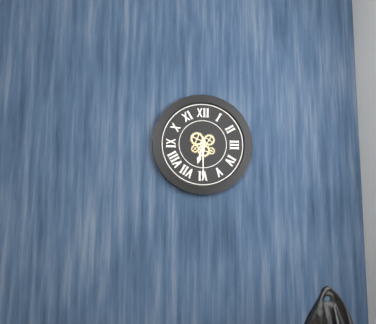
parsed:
6,30
